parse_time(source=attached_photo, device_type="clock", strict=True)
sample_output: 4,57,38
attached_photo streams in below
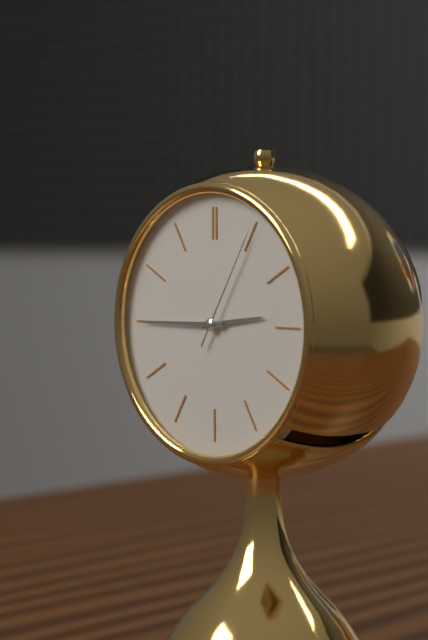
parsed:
2,45,05
